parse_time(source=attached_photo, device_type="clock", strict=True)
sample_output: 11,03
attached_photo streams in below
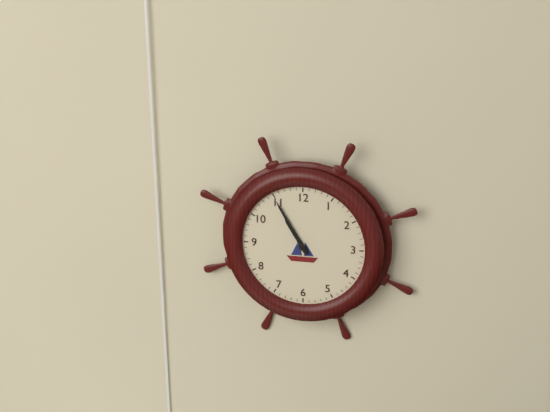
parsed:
10,55
